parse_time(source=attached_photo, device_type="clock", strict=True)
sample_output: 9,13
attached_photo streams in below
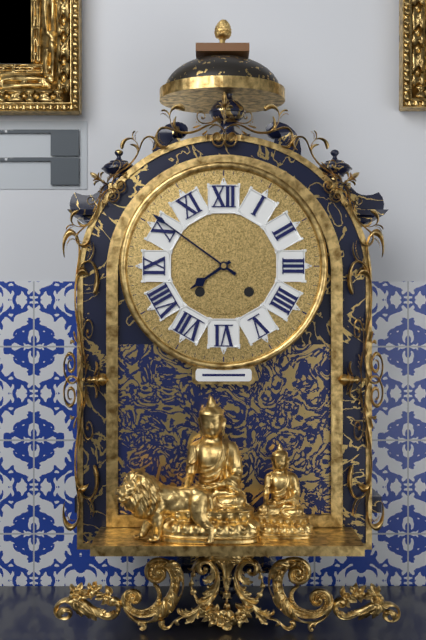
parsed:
7,51
